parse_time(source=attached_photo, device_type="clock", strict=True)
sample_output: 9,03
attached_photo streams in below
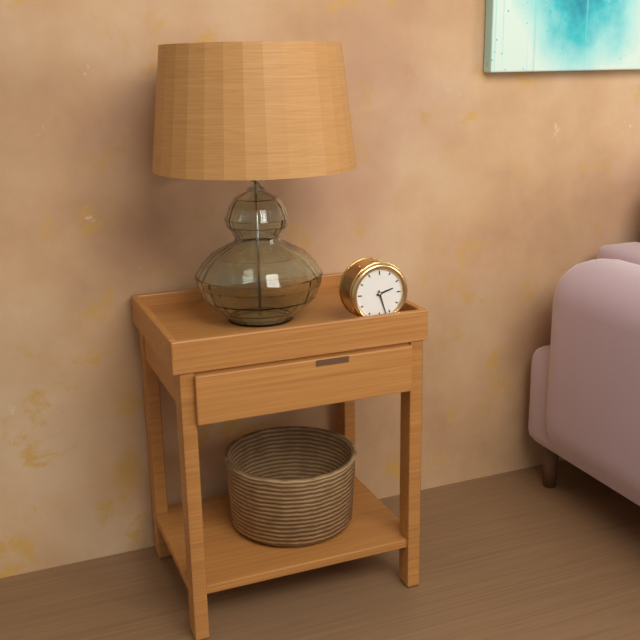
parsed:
2,27
